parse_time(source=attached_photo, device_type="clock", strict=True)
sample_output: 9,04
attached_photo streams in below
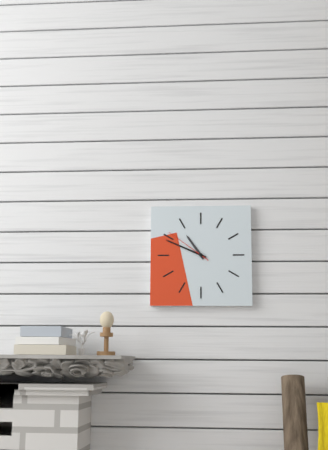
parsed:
10,49
